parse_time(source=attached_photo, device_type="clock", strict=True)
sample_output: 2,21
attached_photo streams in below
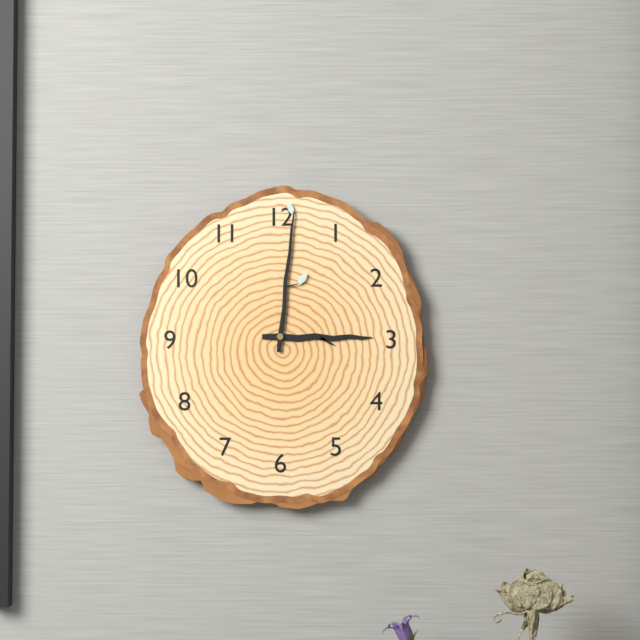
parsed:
3,01
